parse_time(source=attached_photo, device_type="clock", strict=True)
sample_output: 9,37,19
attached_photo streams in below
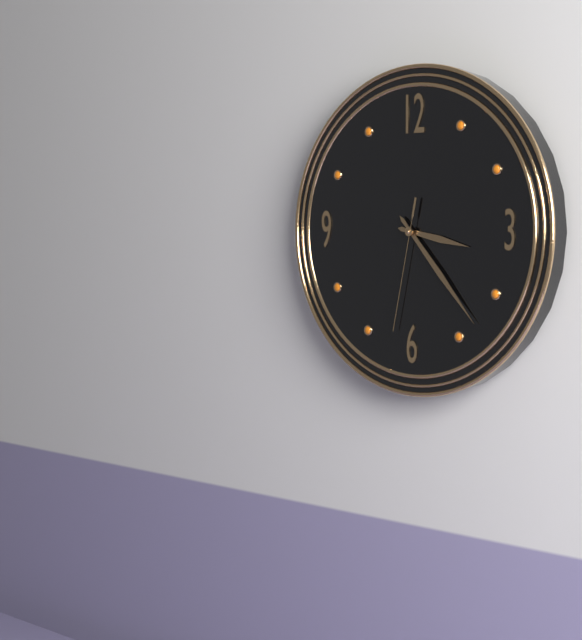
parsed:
3,23,32
